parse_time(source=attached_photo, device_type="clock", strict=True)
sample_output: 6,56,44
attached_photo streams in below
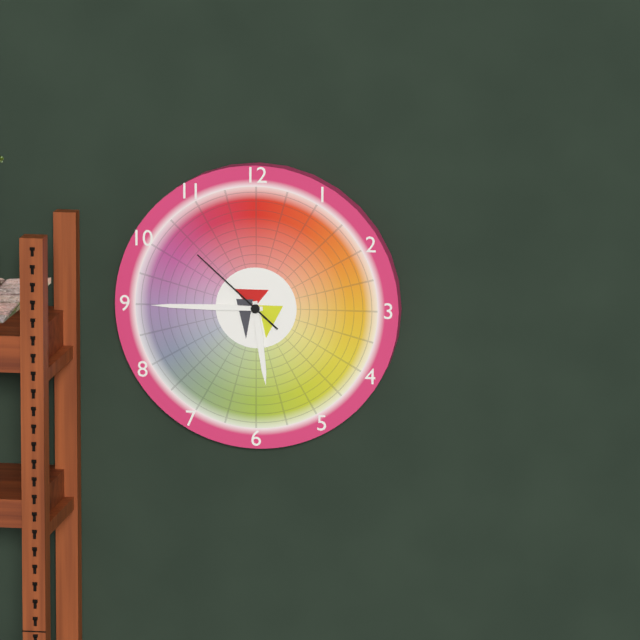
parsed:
5,45,52
